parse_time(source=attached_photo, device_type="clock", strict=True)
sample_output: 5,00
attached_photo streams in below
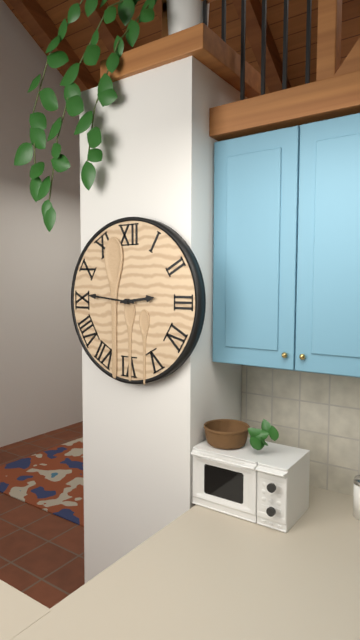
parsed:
2,46
